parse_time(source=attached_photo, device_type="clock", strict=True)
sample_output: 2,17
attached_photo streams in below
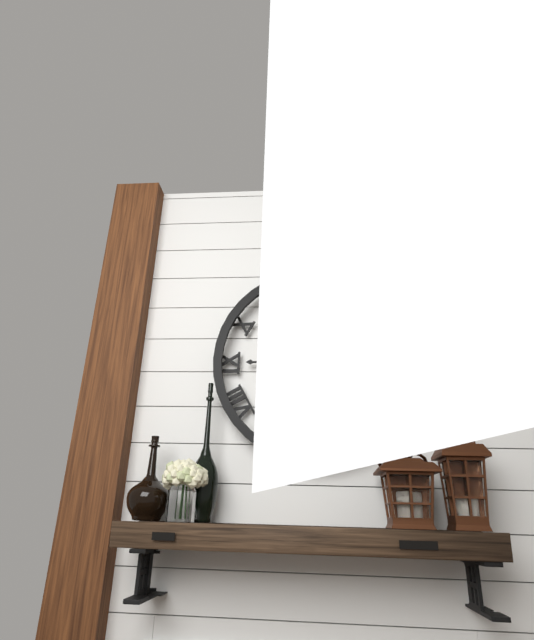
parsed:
9,45
